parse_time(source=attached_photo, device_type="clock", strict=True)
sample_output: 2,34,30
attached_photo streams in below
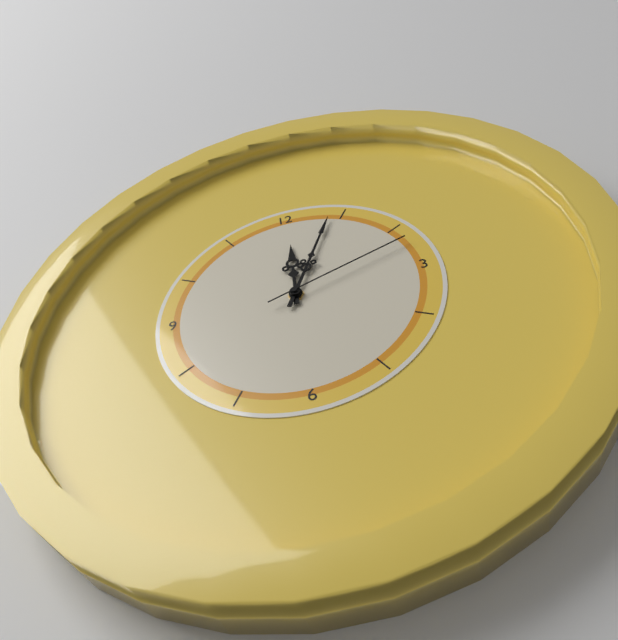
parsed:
12,04,12
